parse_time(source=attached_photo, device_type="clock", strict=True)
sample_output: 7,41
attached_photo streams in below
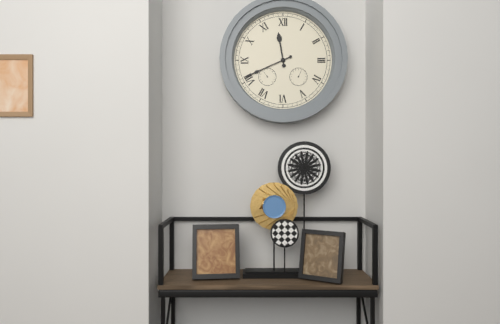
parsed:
11,41
